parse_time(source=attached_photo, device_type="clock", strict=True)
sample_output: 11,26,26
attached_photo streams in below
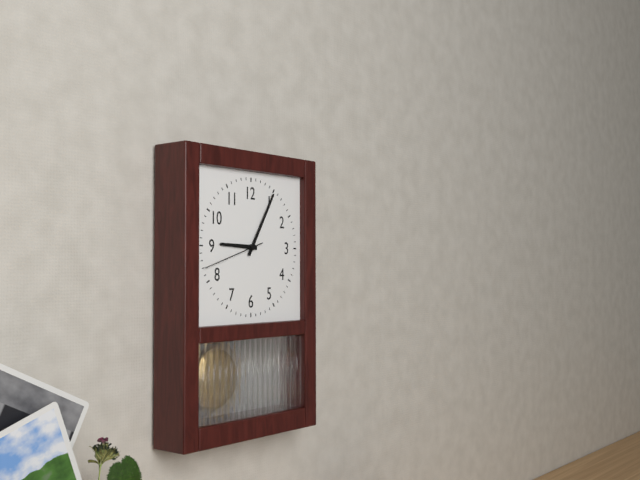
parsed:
9,05,42
